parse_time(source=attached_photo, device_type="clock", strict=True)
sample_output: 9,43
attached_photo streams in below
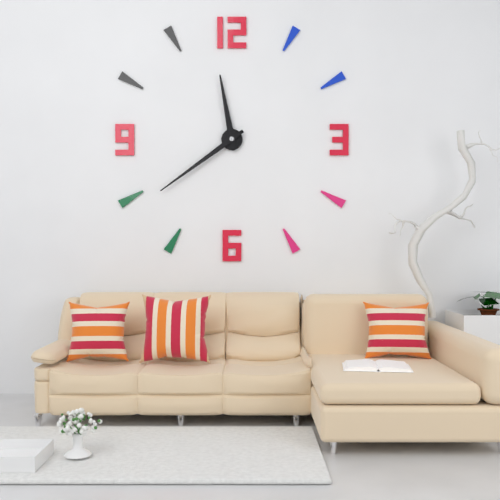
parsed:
11,39
